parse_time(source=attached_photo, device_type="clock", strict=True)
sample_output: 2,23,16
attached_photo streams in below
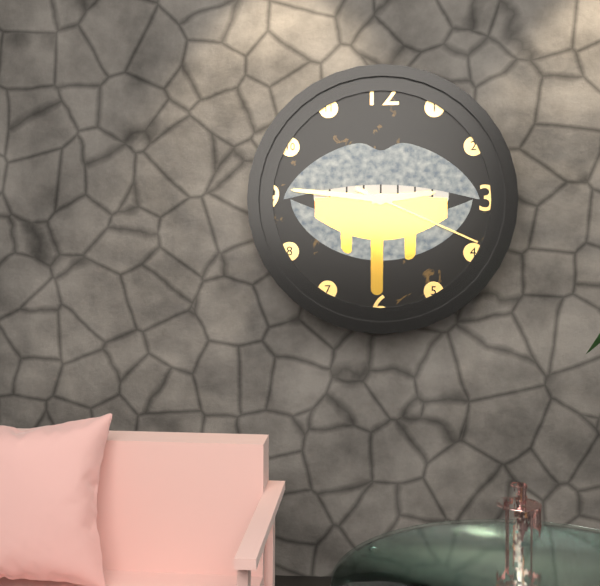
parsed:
2,46,19
